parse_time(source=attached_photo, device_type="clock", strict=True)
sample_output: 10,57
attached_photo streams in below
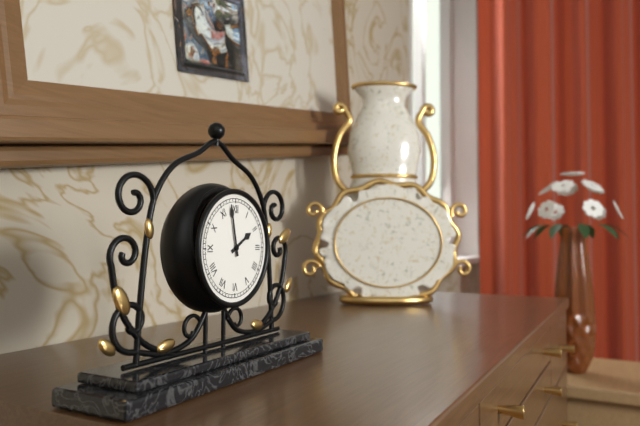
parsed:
1,58
